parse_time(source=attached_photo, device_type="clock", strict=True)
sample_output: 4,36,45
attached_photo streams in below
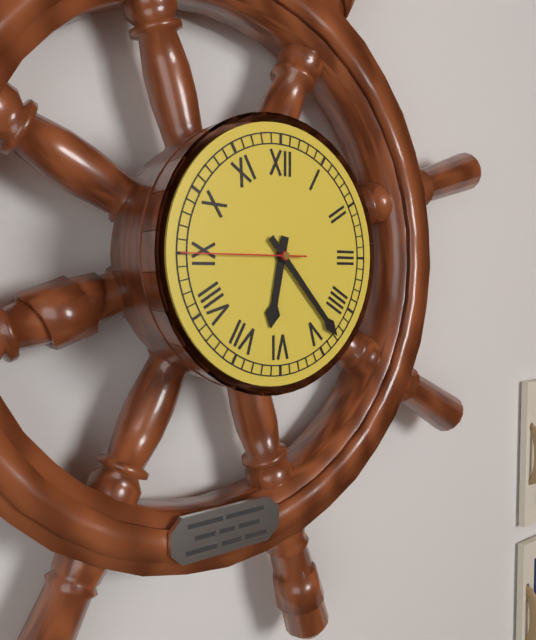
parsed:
6,23,45
